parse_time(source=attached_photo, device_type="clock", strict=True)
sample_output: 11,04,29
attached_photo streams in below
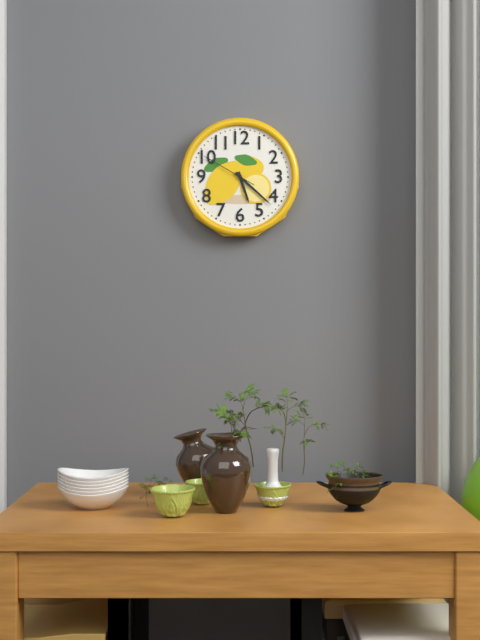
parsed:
5,22,50
